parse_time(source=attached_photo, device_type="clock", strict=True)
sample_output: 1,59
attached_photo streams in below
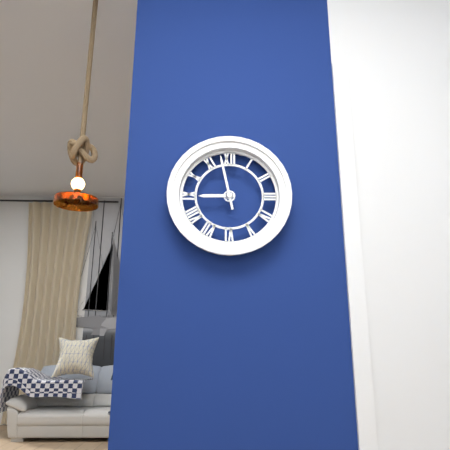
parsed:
8,58
